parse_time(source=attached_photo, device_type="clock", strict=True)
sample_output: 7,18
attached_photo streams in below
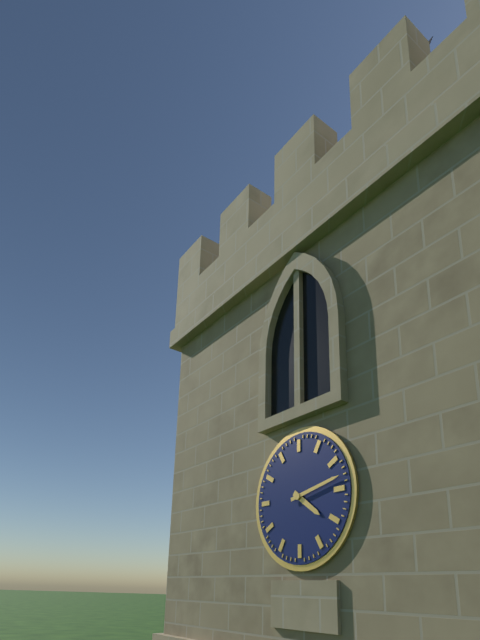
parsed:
4,13
